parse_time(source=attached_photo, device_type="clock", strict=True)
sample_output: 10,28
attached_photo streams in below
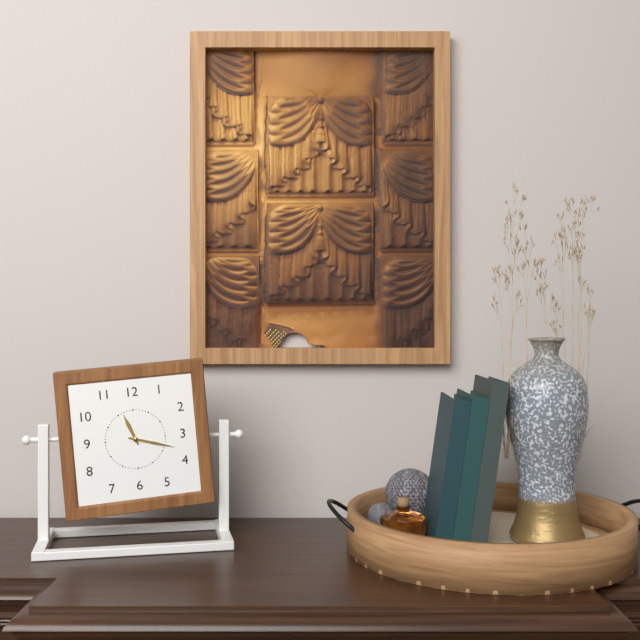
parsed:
11,18
